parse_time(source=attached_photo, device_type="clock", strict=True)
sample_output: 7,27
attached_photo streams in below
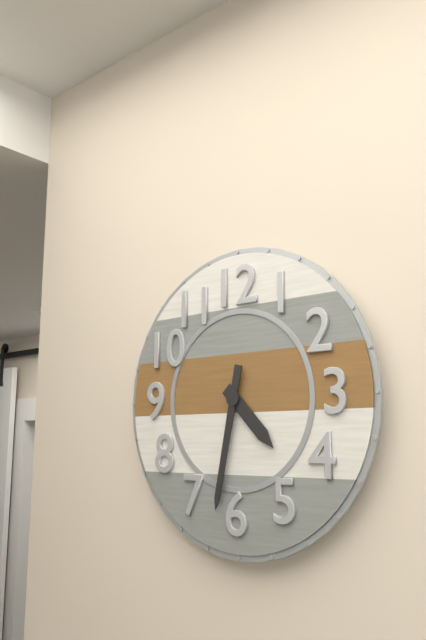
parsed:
4,32
